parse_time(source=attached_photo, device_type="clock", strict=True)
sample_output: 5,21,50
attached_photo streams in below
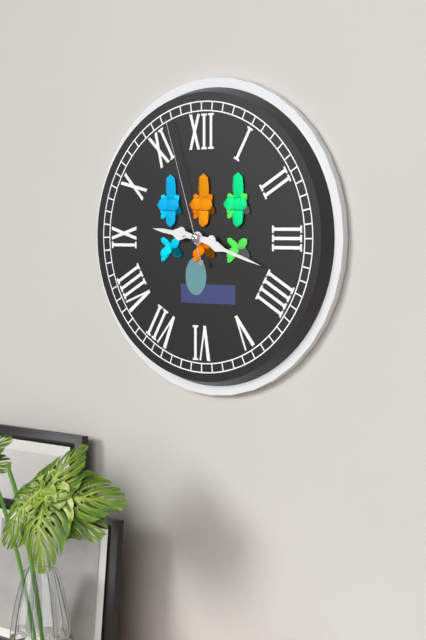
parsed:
9,18,57
